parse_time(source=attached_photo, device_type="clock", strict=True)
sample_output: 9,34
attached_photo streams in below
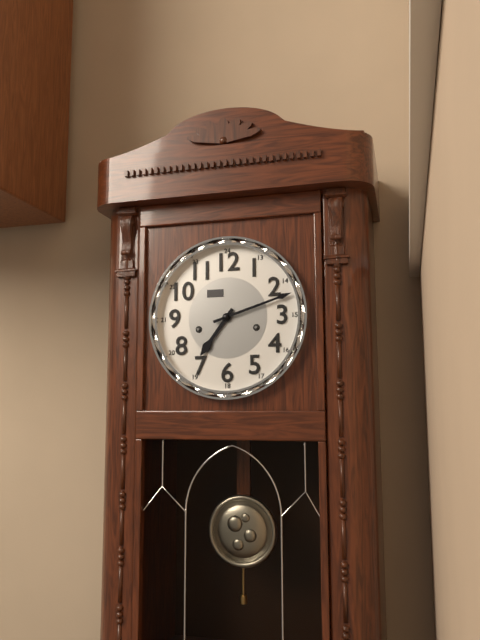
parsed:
7,12
